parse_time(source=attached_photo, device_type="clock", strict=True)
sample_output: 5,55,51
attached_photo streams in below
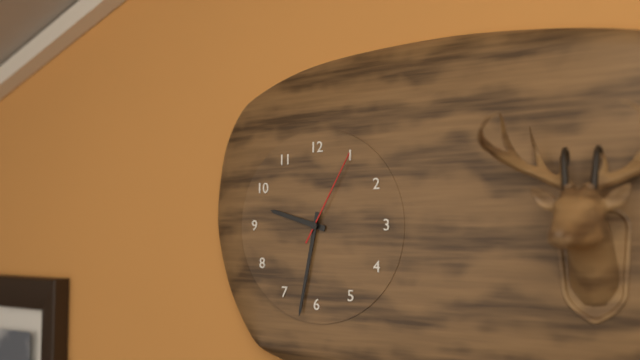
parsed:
9,32,05
